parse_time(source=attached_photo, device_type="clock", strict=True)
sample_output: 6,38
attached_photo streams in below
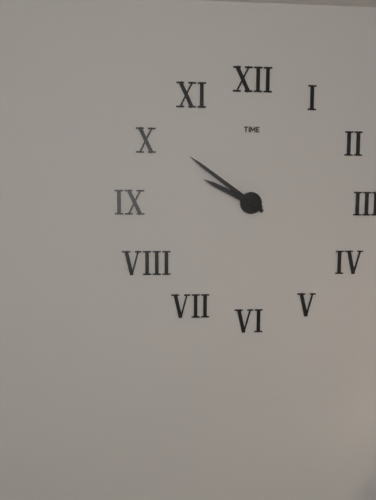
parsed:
9,51
